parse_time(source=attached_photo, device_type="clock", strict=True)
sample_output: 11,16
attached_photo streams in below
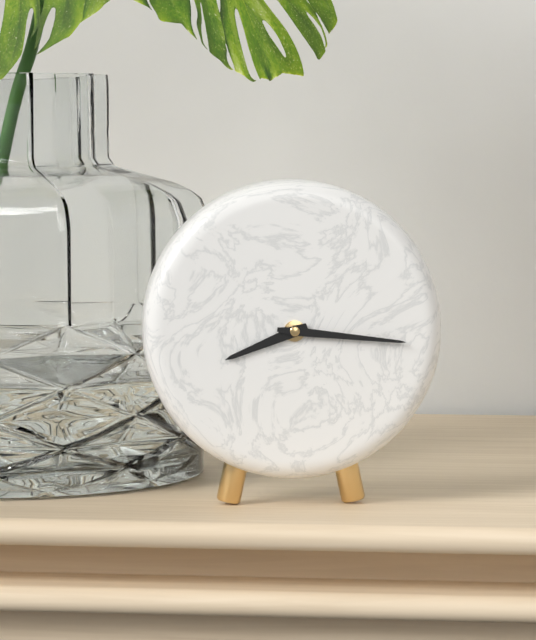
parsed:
8,16
